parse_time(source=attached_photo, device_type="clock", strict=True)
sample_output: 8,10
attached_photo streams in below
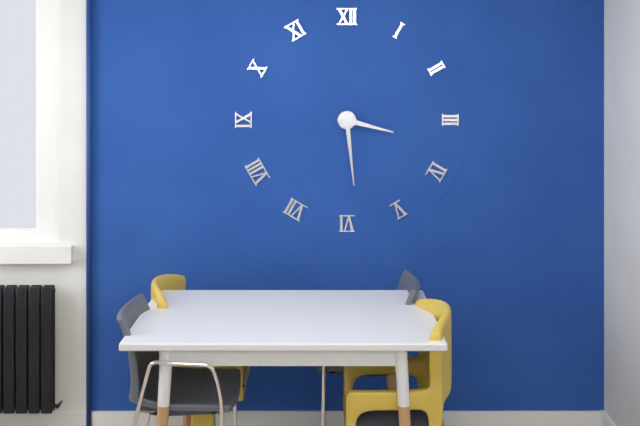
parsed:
3,29
